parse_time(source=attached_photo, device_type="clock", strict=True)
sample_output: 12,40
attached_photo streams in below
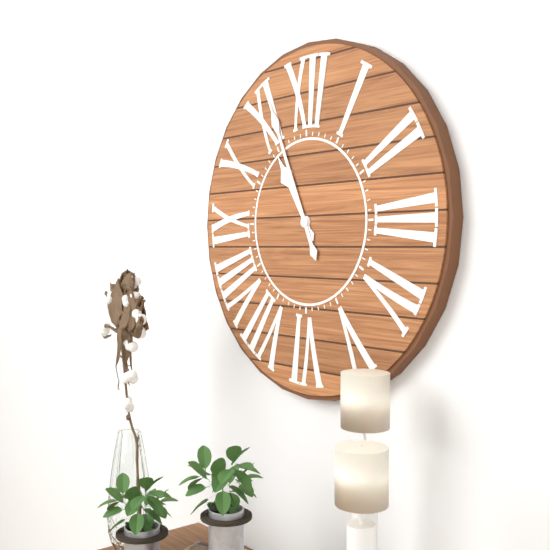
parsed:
10,56
